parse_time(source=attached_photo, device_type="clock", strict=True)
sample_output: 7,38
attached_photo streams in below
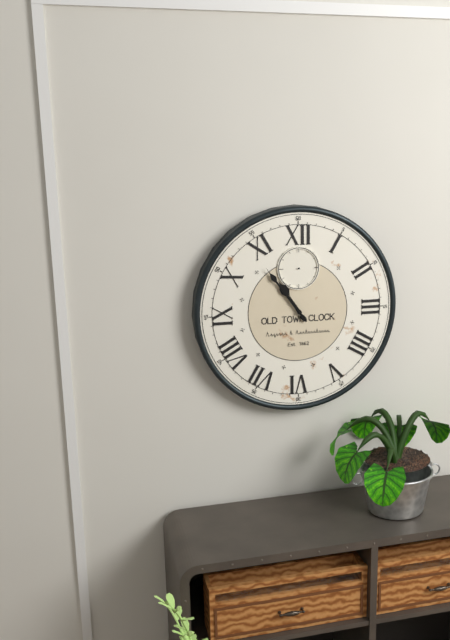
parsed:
10,54
